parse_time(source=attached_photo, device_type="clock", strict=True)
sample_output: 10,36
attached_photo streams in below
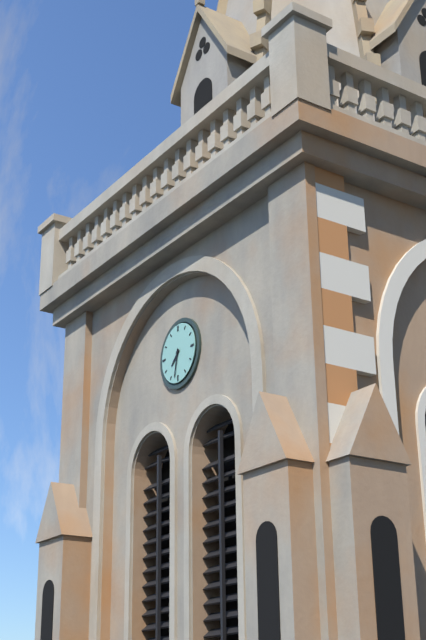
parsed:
7,32
